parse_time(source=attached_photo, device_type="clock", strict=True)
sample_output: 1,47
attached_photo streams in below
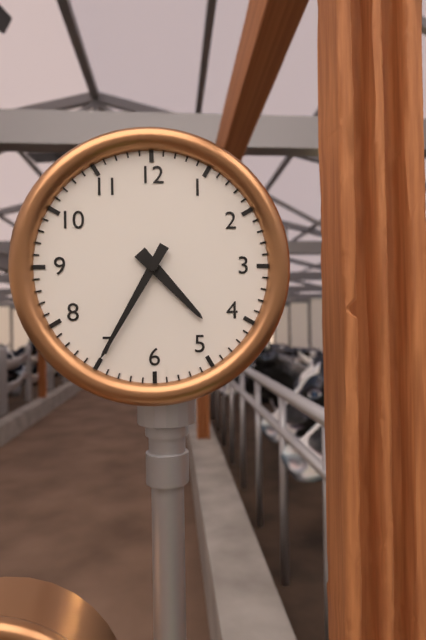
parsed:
4,35
